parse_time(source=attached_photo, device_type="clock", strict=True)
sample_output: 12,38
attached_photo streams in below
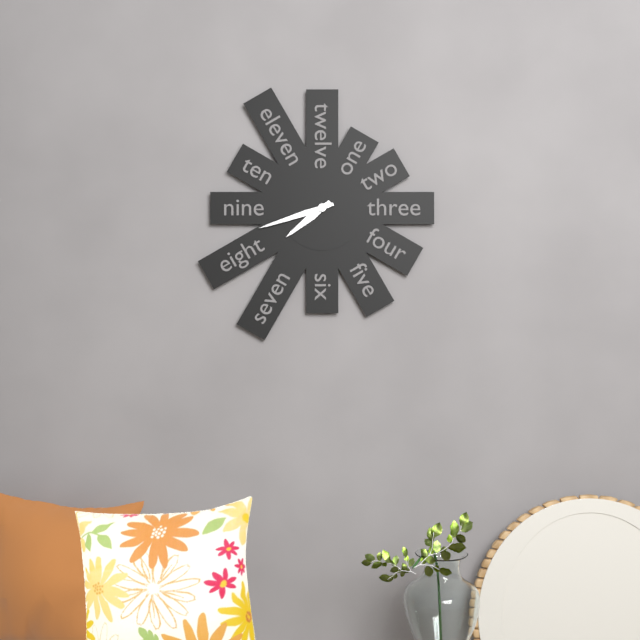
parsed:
7,42
